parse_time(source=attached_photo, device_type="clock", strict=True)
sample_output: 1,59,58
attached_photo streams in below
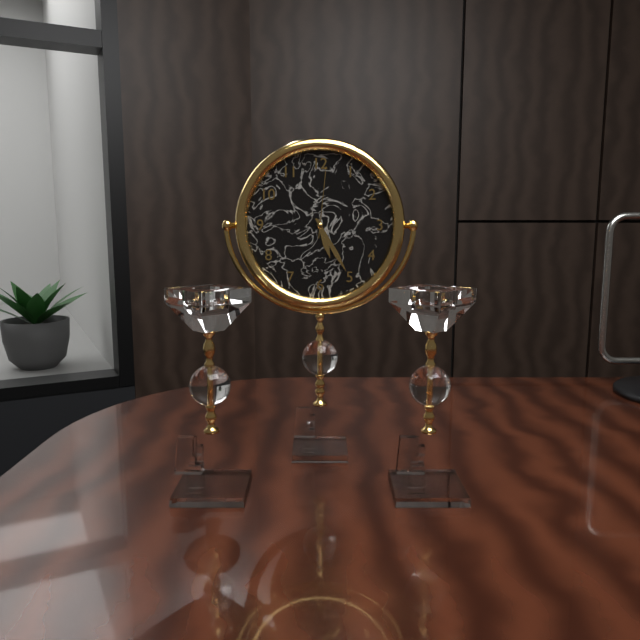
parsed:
5,25,01
